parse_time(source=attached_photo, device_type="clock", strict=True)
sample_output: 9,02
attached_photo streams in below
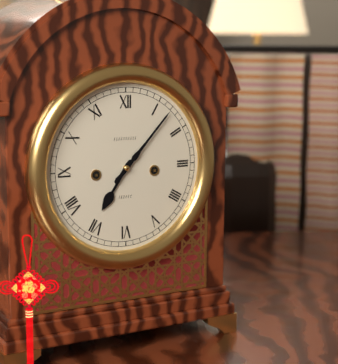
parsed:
7,07
